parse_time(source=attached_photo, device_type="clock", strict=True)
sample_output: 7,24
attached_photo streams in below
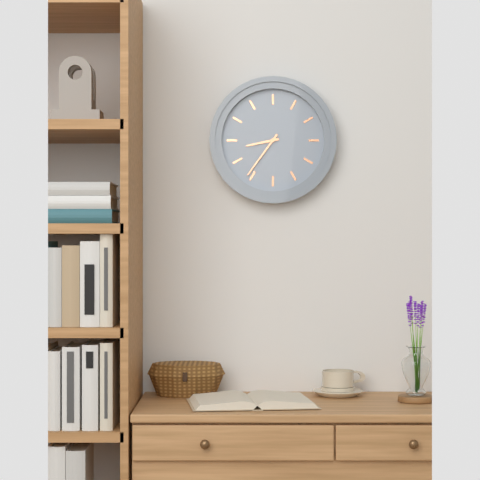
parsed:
8,36
